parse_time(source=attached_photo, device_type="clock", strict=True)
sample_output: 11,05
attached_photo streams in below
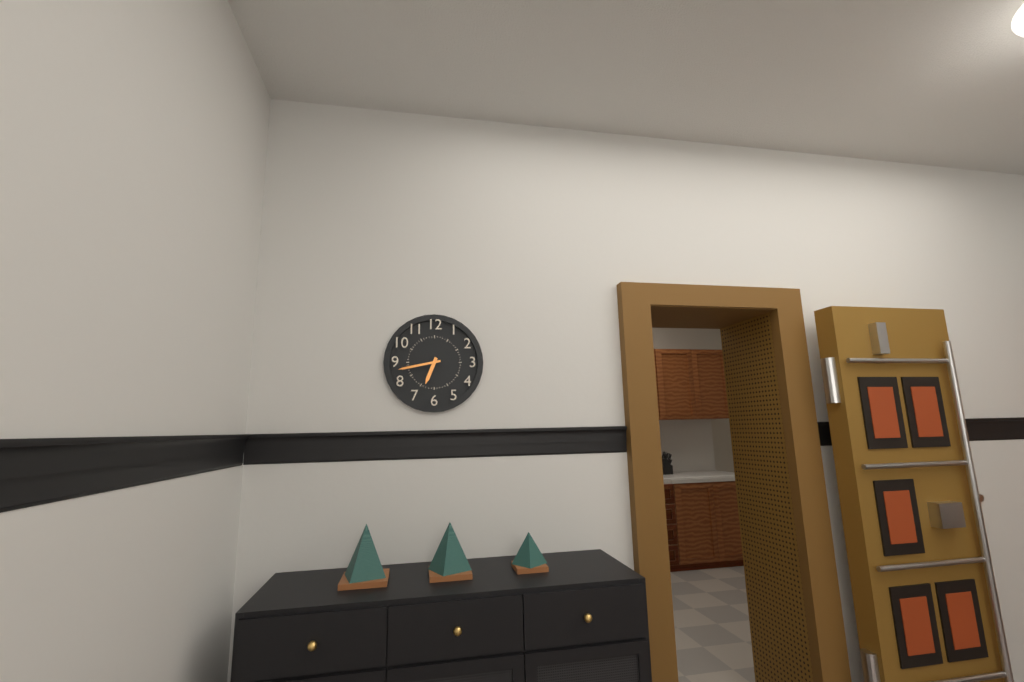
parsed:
6,43
